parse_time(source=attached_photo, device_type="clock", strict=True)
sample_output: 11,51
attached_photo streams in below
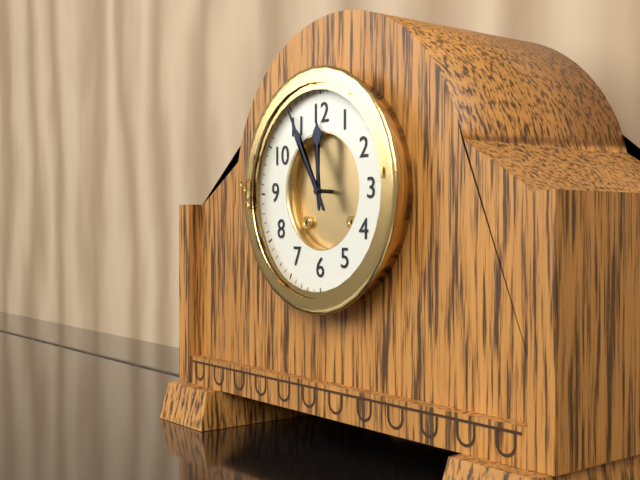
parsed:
11,55
